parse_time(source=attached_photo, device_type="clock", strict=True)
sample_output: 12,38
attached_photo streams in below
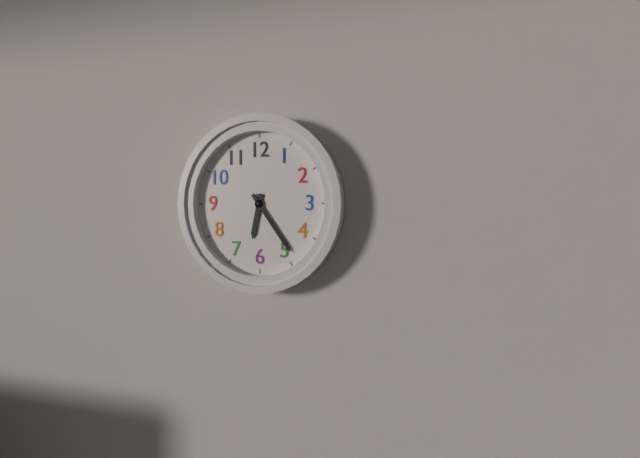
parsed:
6,24
